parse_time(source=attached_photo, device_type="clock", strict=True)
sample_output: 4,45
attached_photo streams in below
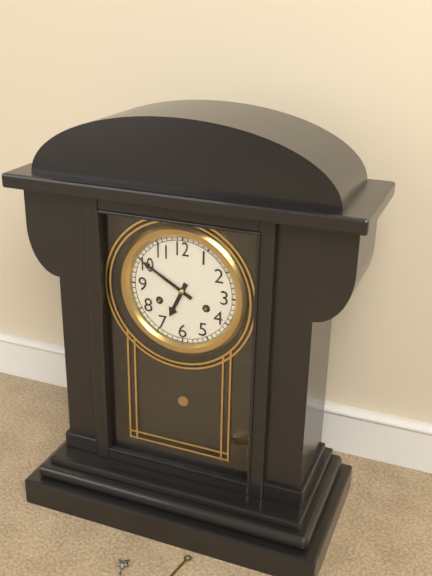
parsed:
6,50
